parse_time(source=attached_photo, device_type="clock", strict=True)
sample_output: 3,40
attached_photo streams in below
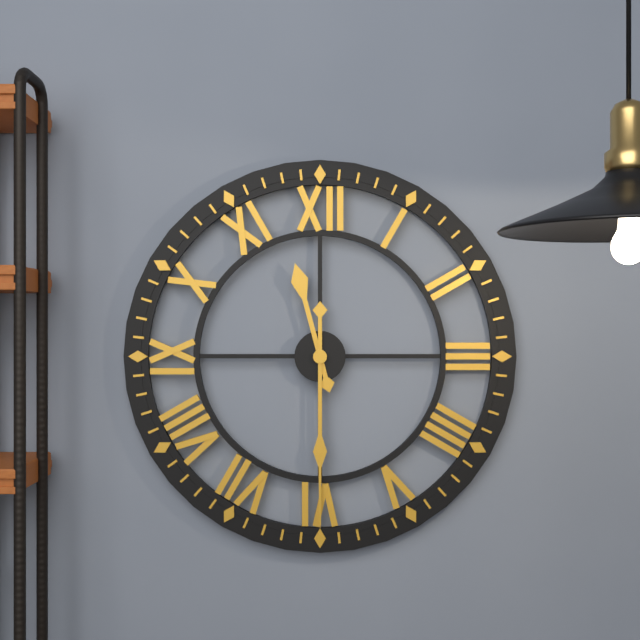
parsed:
11,30
